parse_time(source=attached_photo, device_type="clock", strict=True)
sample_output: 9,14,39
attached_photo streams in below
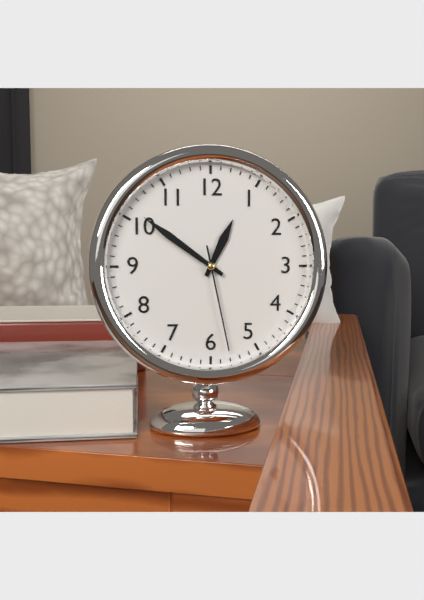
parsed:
12,51,28
